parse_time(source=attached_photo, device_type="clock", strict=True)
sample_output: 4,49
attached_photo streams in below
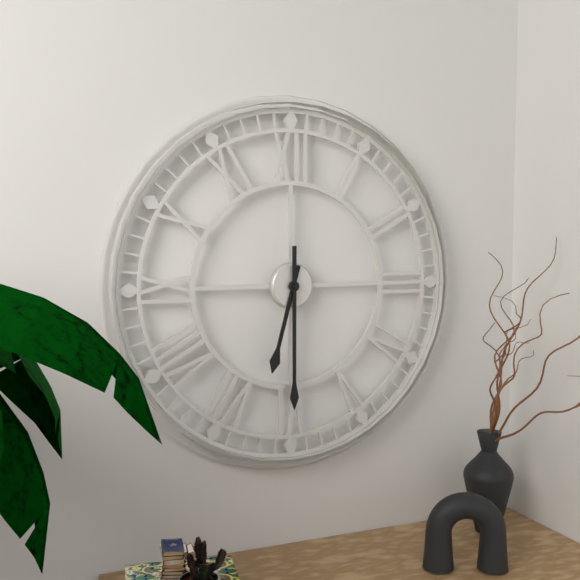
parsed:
6,30
